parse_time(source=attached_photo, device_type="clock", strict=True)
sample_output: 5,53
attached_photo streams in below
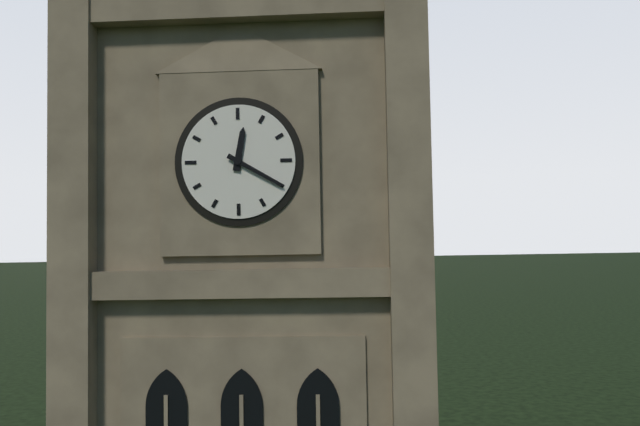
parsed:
12,20
